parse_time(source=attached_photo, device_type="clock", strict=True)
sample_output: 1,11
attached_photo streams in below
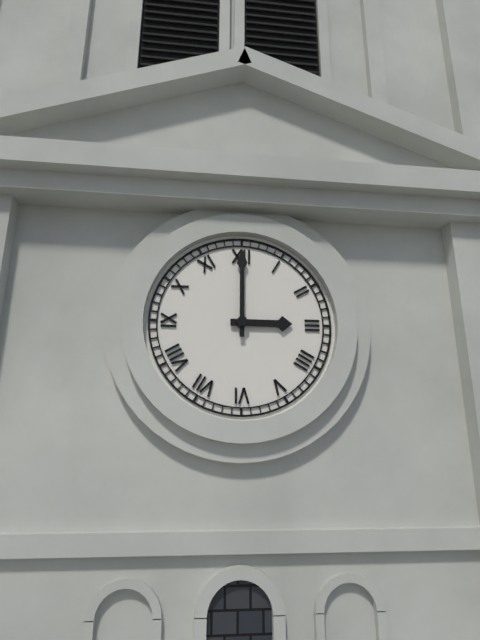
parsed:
3,00
